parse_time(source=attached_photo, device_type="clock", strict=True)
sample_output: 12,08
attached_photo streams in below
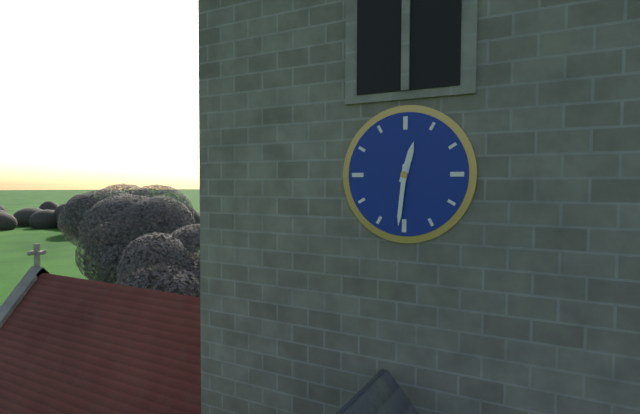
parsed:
12,31
